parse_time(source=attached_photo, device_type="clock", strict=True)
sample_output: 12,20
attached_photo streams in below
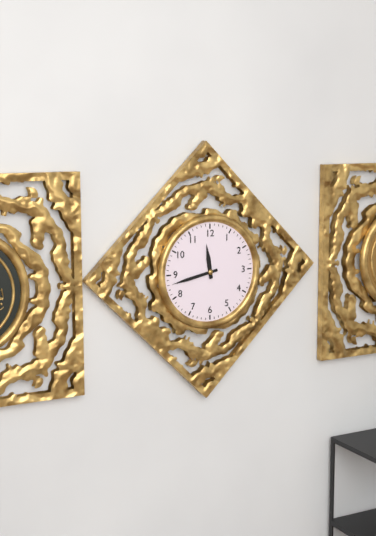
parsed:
11,43
